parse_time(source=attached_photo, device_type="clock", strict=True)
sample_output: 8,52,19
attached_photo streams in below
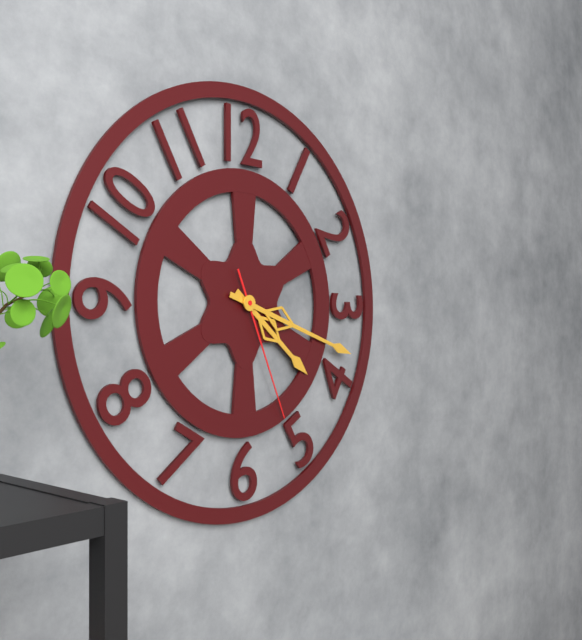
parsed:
4,18,26
